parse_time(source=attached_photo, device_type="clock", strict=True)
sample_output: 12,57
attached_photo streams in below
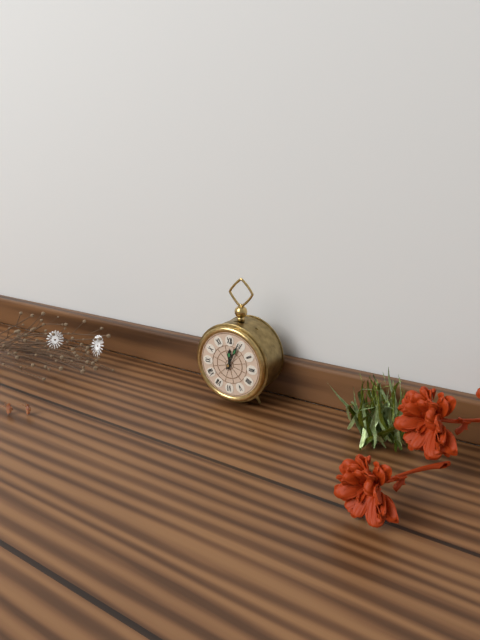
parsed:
12,04
